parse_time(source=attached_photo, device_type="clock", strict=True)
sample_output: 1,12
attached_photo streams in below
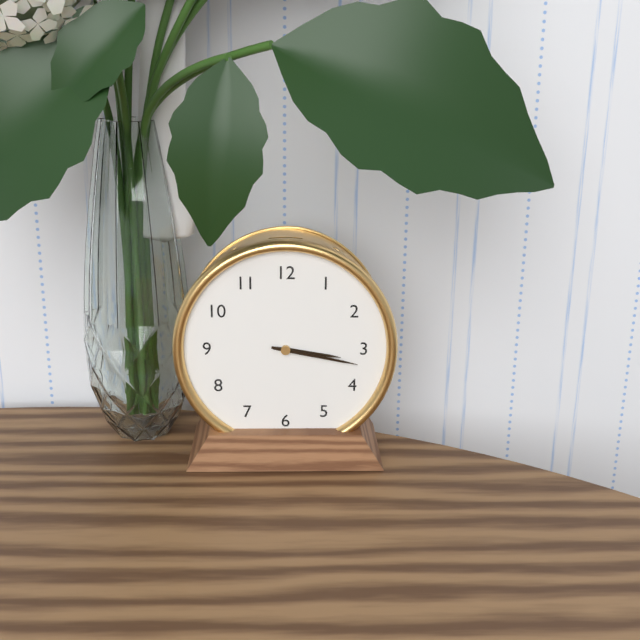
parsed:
3,17
